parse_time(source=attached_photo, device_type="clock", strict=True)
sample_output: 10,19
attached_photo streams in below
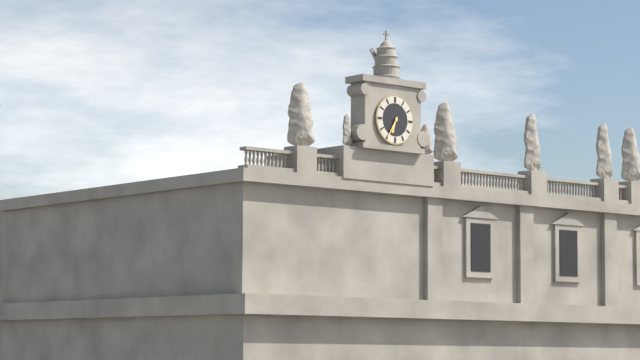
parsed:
6,35
